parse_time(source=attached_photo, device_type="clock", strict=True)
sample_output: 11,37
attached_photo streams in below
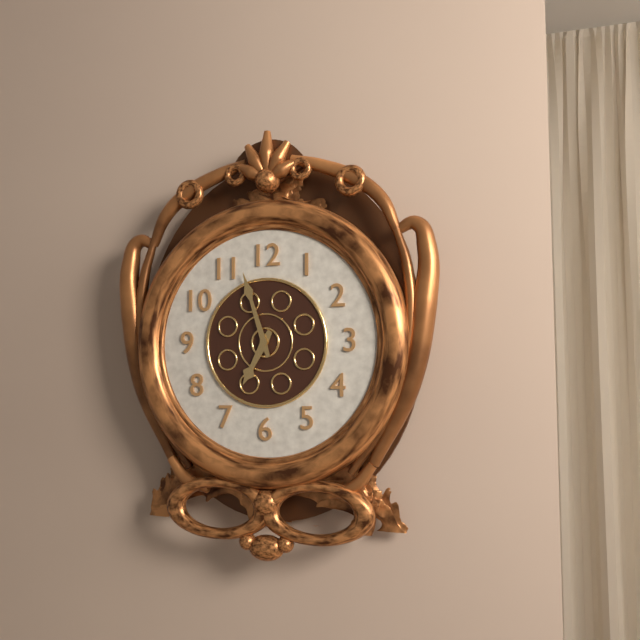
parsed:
6,57
